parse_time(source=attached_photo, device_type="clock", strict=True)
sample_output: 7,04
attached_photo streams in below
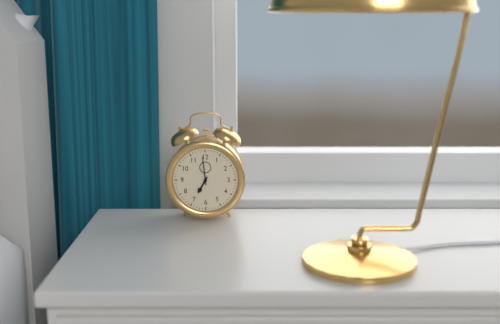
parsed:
6,59
